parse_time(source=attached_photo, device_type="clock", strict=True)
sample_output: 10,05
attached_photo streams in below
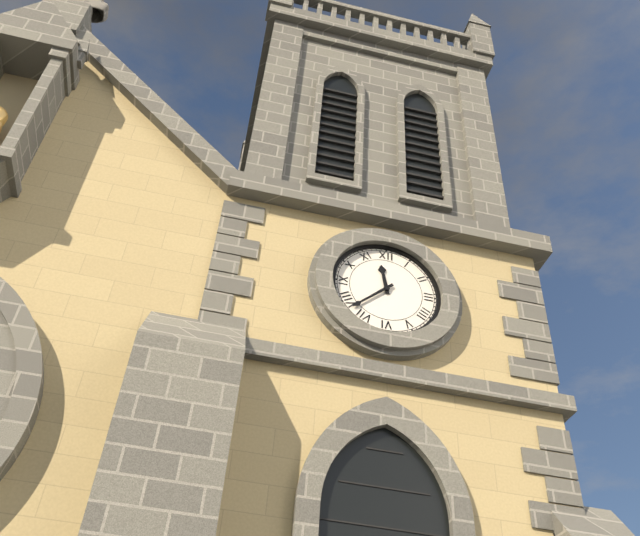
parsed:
11,38
